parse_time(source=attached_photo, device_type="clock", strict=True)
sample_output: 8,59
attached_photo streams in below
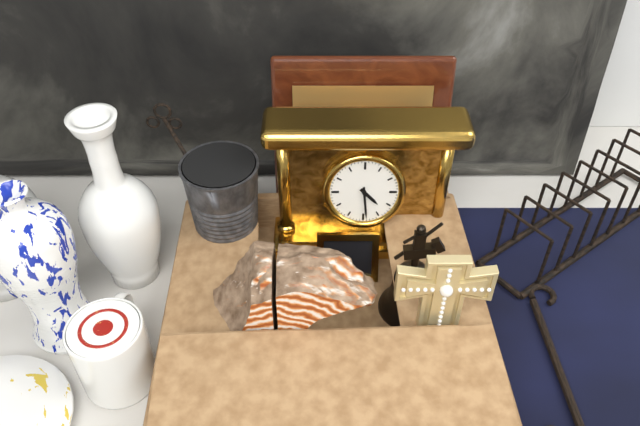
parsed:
4,29
